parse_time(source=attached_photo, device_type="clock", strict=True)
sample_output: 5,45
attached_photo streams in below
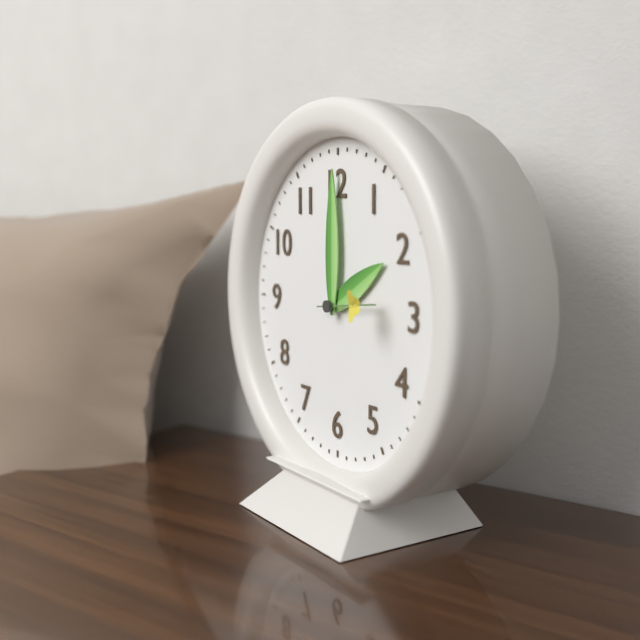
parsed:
2,00
